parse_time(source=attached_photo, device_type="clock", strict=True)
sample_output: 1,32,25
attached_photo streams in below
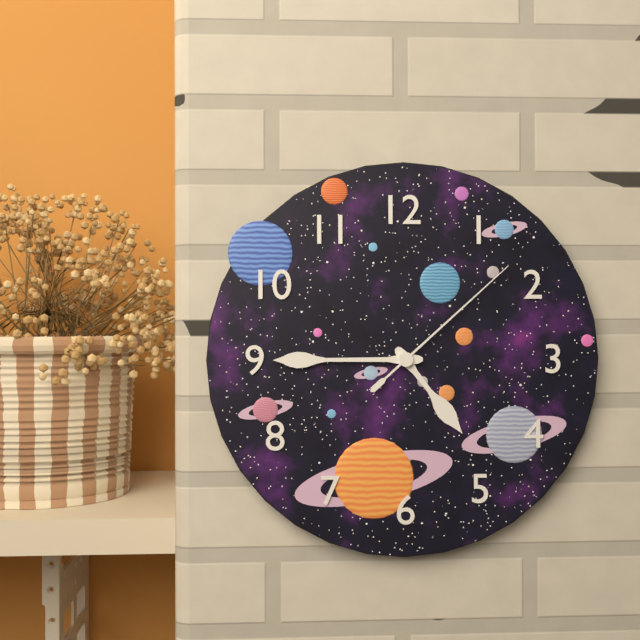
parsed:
4,45,08
